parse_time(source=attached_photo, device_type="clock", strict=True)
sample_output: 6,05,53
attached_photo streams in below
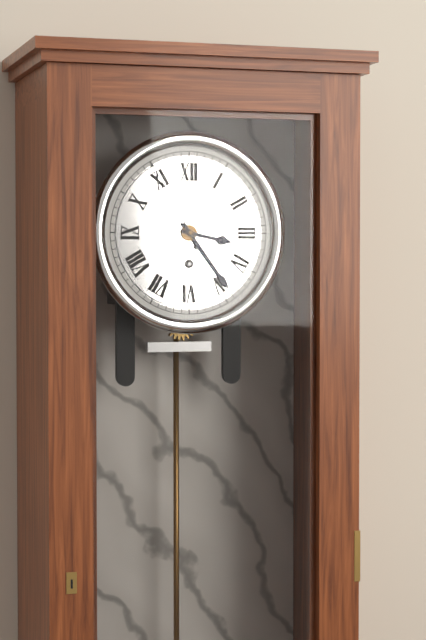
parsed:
3,24,55
